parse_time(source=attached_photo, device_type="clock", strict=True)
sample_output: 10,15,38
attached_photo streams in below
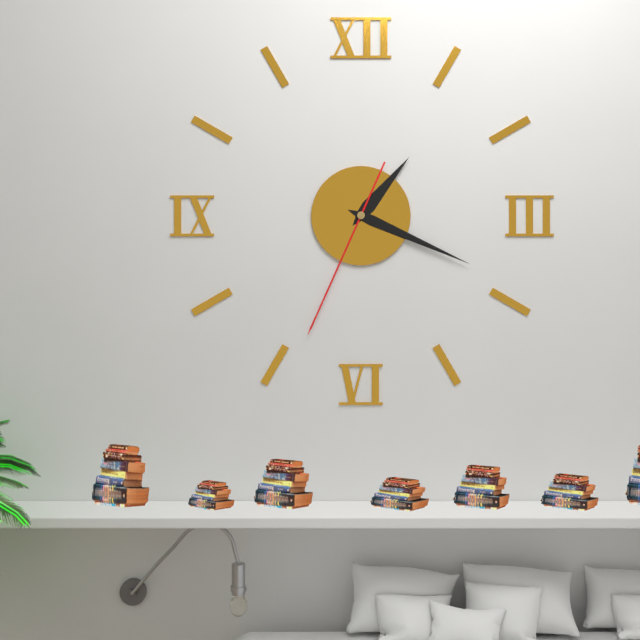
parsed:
1,19,34
